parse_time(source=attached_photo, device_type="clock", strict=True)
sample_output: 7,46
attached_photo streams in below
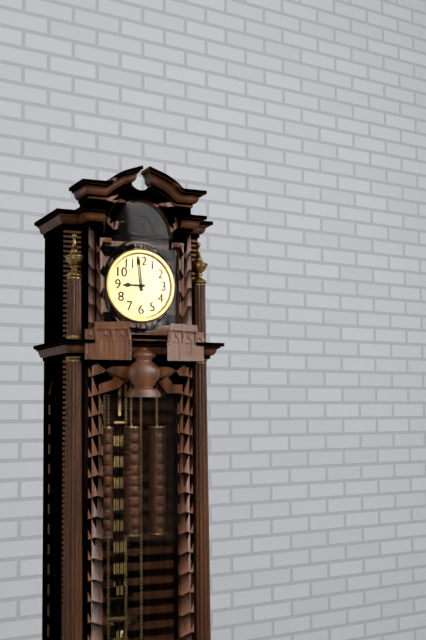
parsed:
8,59
